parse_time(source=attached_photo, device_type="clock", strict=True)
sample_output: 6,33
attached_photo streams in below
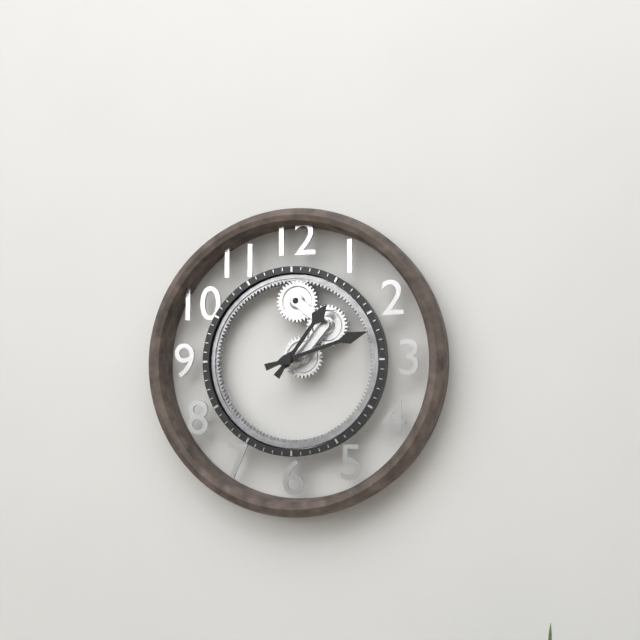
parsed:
1,12
